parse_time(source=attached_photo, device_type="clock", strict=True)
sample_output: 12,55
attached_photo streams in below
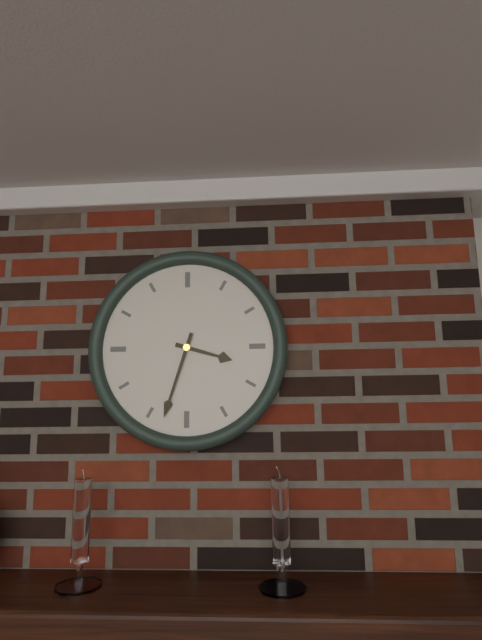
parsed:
3,33
